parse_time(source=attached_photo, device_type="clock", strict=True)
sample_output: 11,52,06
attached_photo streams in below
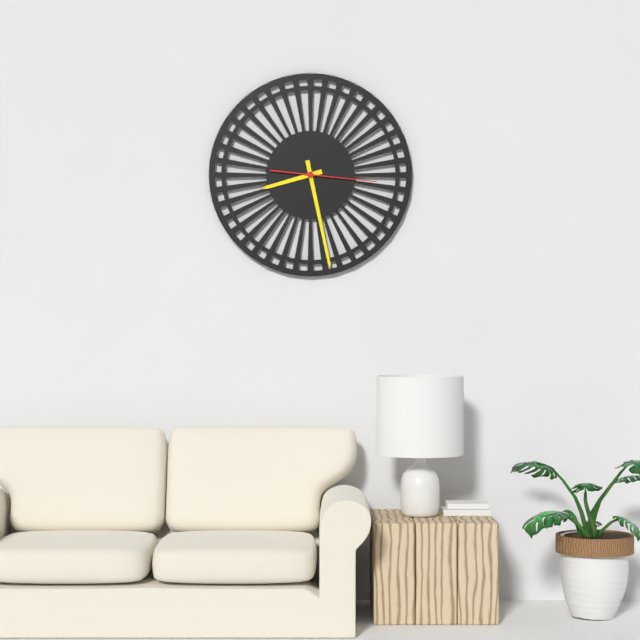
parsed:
8,28,16
